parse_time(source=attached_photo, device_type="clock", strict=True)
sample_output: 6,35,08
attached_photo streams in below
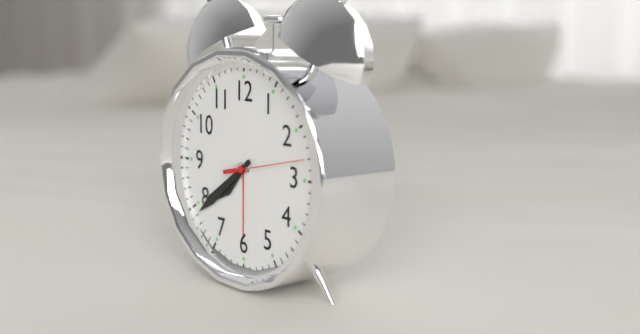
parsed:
7,39,13
